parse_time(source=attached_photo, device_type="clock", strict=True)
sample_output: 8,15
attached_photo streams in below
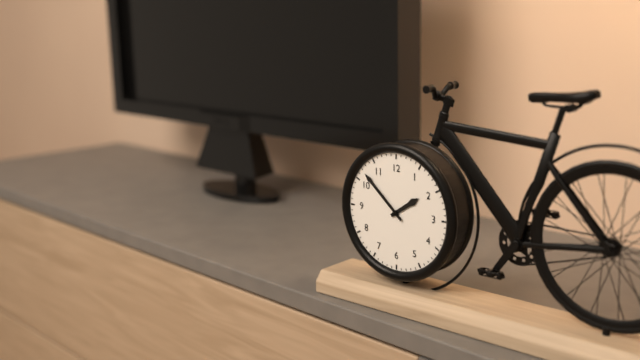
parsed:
1,52
